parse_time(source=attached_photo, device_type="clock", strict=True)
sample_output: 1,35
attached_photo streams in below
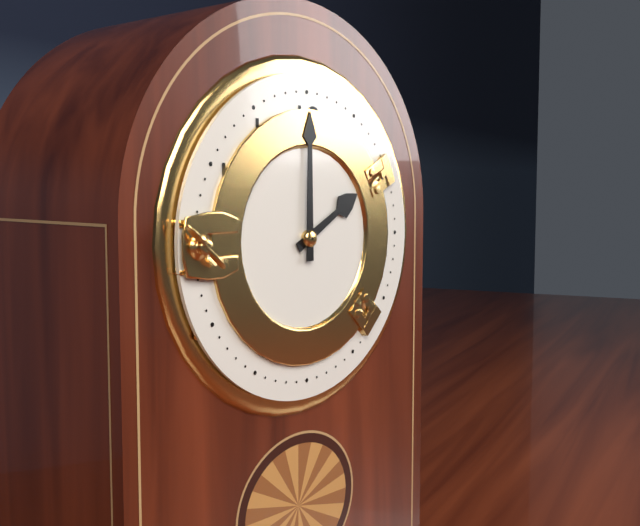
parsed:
2,00
